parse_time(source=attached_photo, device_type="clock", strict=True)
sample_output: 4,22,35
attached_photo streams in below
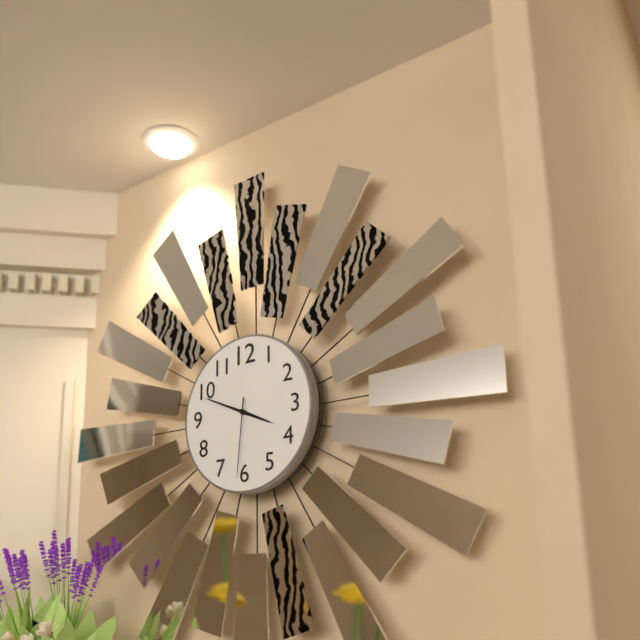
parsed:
3,49,31
